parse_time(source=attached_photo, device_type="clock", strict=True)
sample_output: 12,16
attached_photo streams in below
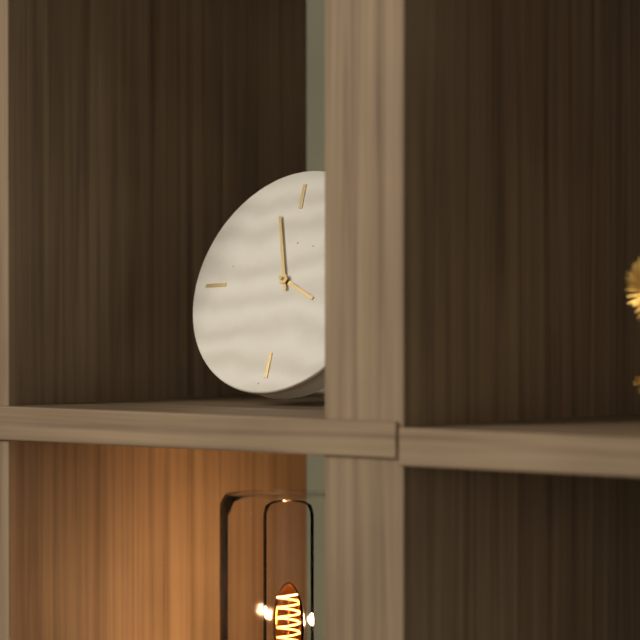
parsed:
3,57
